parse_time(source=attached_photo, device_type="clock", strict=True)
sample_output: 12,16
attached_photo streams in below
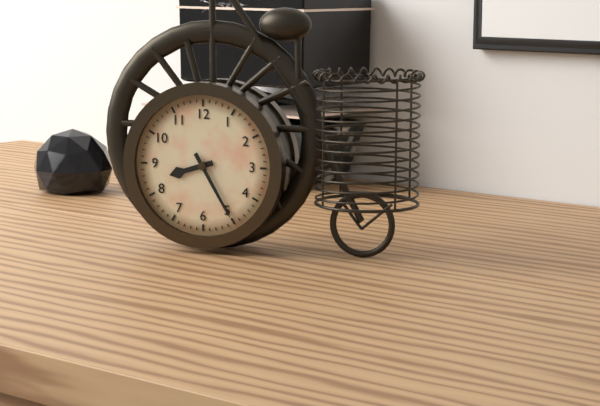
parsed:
8,25
